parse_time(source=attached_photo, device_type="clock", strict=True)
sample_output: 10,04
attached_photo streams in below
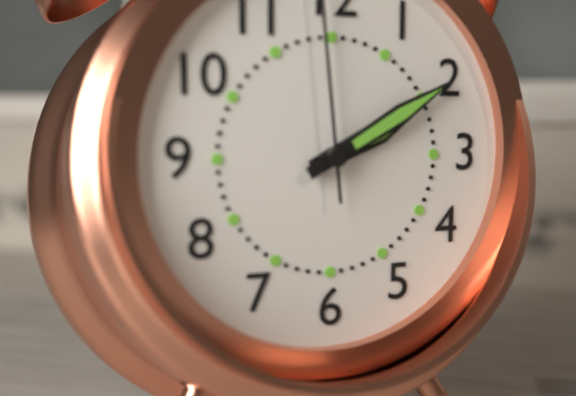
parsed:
2,10
